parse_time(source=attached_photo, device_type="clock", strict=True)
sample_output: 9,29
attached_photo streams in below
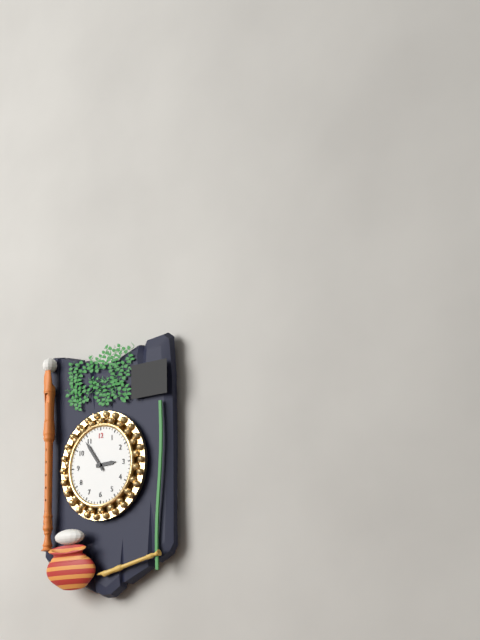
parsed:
2,54
